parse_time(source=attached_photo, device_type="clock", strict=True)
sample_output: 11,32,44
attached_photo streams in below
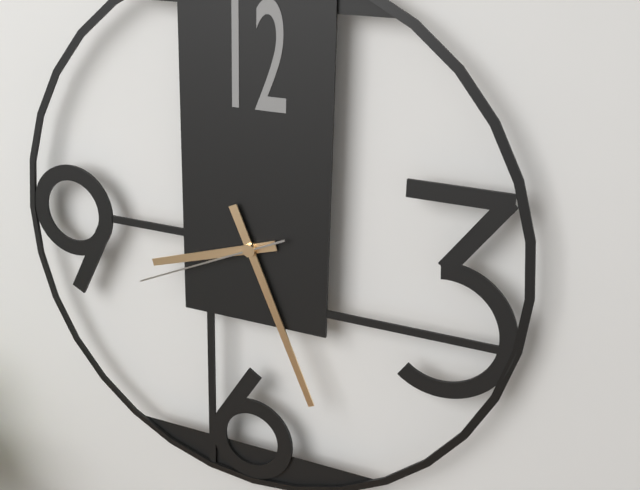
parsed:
8,26,41
